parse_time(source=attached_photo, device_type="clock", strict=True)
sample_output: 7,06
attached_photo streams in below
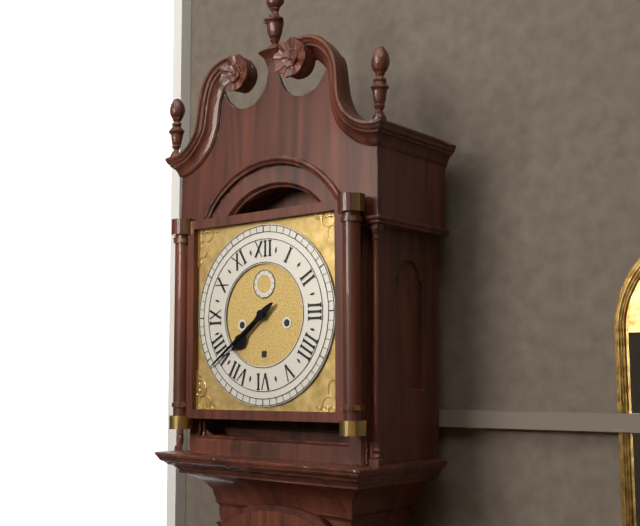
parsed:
7,39
